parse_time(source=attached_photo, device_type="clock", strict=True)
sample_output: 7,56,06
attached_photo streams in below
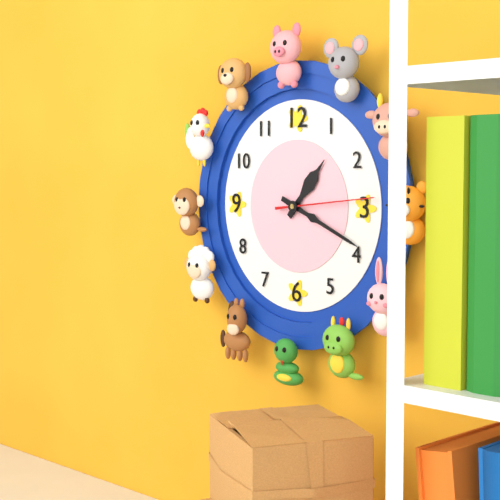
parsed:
1,19,14
